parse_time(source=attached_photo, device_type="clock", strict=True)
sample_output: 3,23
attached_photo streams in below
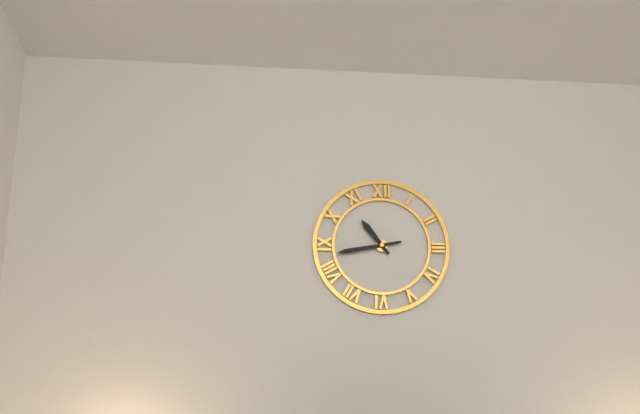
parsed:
10,43
